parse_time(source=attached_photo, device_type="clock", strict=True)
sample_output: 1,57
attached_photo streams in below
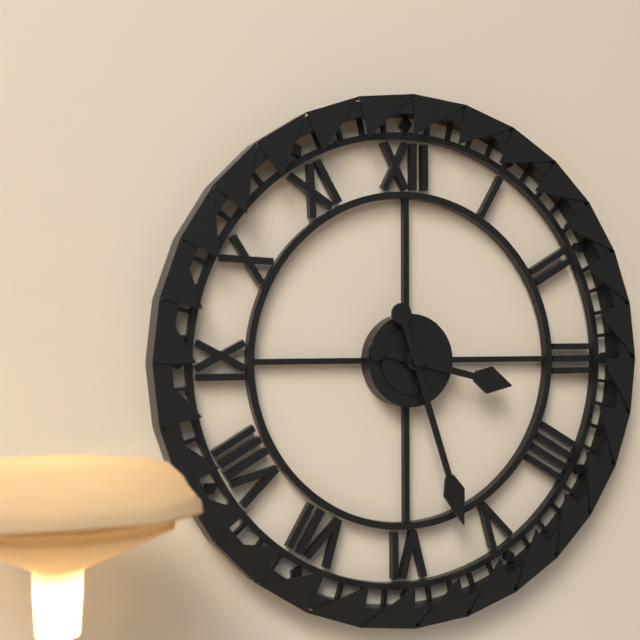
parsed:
3,27
